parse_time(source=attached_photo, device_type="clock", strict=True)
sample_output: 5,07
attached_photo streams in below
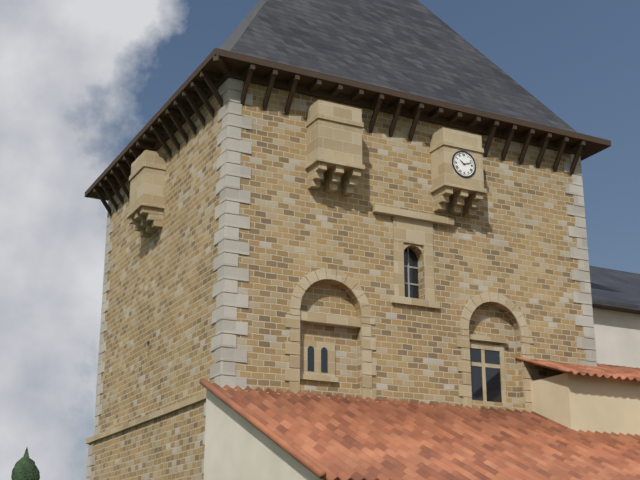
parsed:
10,12
